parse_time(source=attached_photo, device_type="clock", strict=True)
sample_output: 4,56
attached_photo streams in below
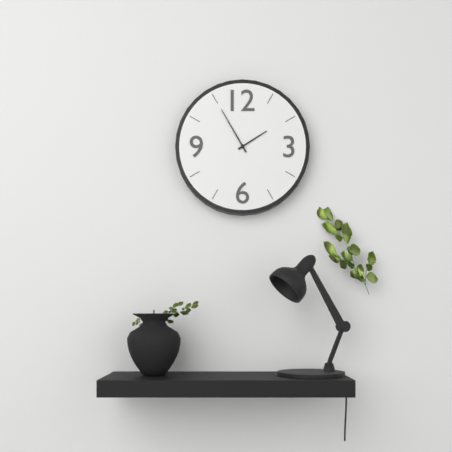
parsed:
1,55
